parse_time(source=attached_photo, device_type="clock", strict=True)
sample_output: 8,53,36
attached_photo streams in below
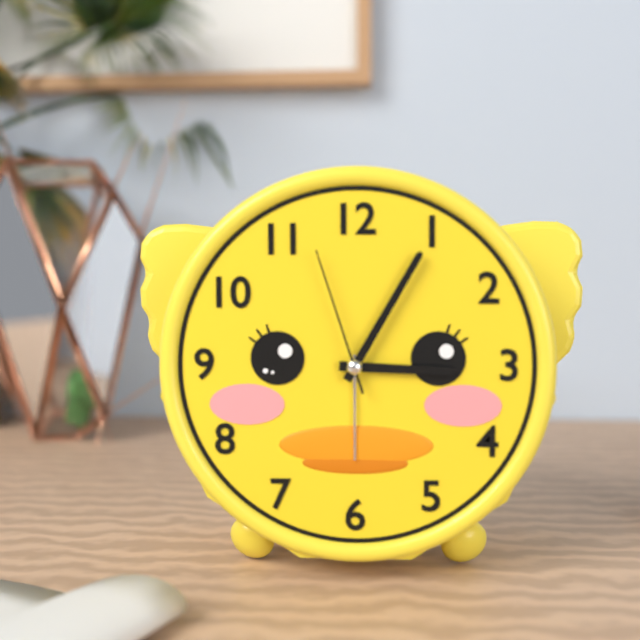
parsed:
3,05,57
